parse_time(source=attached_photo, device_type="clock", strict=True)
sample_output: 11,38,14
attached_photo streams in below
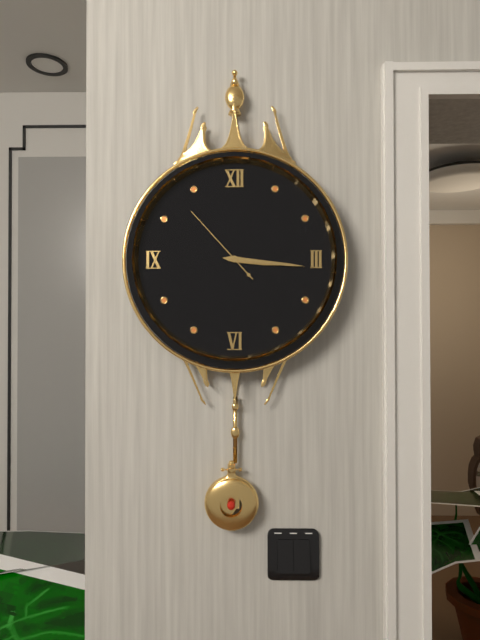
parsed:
3,16,53
